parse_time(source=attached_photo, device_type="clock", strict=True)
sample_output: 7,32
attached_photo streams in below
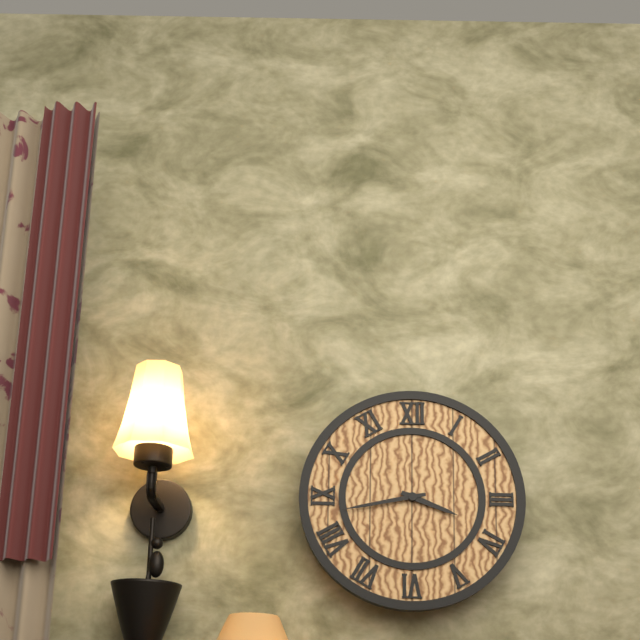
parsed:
3,43
